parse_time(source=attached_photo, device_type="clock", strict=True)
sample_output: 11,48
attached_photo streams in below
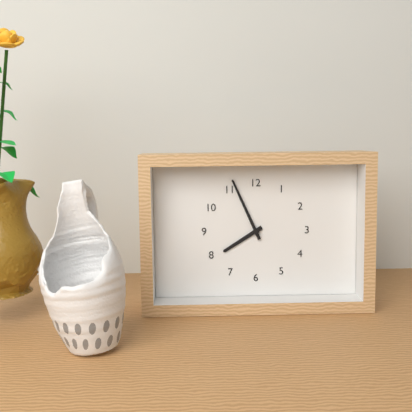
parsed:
7,56
